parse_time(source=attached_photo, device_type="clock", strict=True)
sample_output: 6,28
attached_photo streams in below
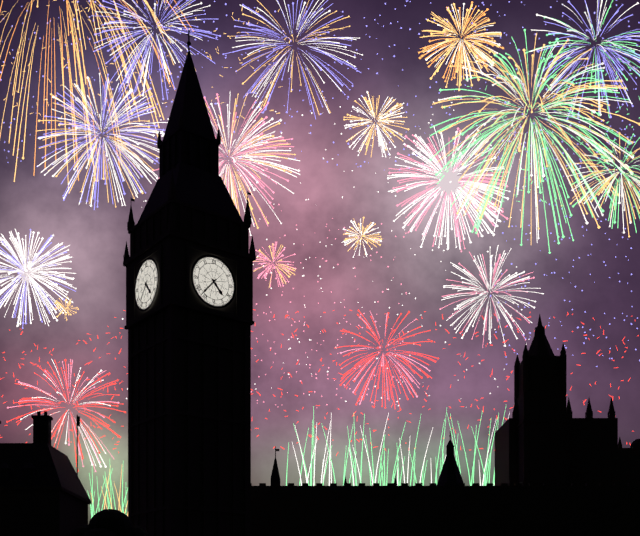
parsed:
4,37
